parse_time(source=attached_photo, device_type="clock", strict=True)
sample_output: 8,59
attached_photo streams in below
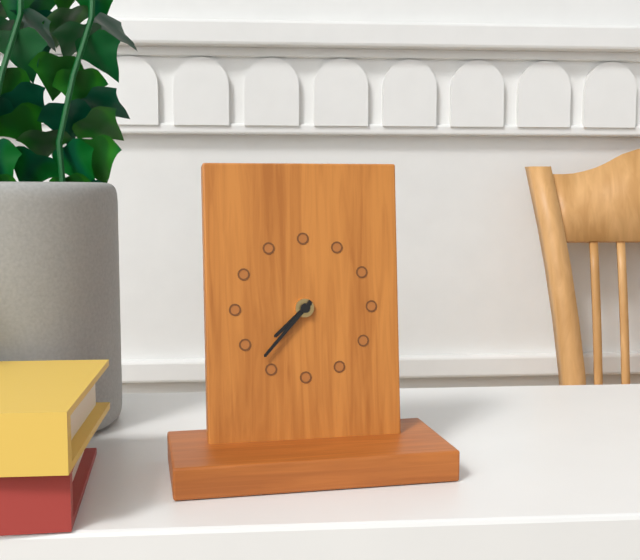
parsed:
7,37
